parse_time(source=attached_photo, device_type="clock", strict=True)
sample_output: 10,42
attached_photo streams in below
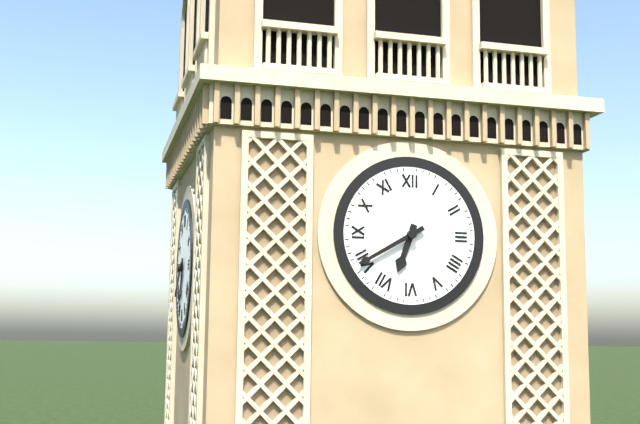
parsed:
6,40
